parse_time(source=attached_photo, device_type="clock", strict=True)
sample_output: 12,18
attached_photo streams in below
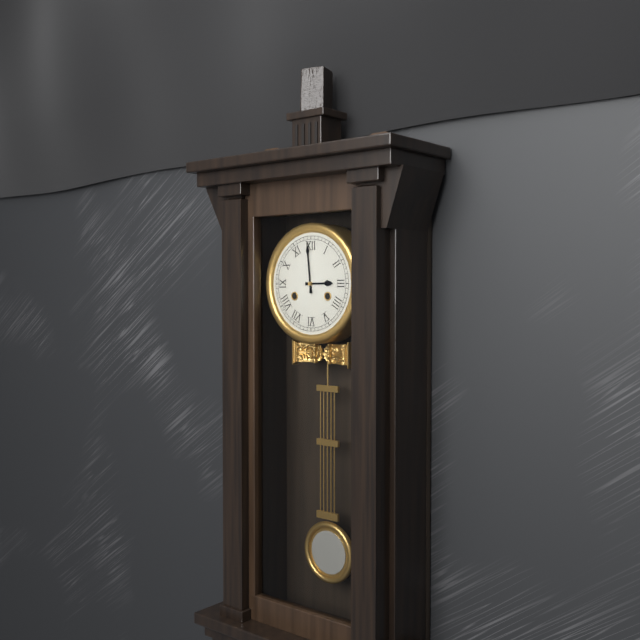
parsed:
2,59
